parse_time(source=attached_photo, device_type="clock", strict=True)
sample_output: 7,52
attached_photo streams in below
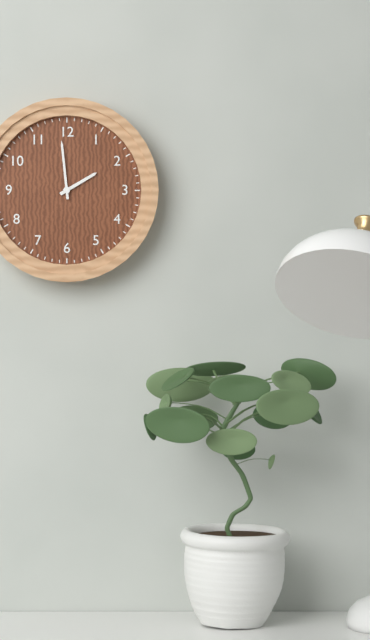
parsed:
1,59
